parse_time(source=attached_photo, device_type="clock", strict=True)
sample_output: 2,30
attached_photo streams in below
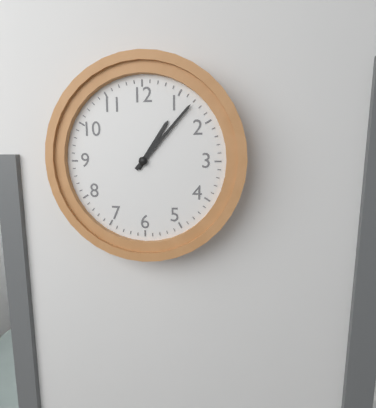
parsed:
1,07
